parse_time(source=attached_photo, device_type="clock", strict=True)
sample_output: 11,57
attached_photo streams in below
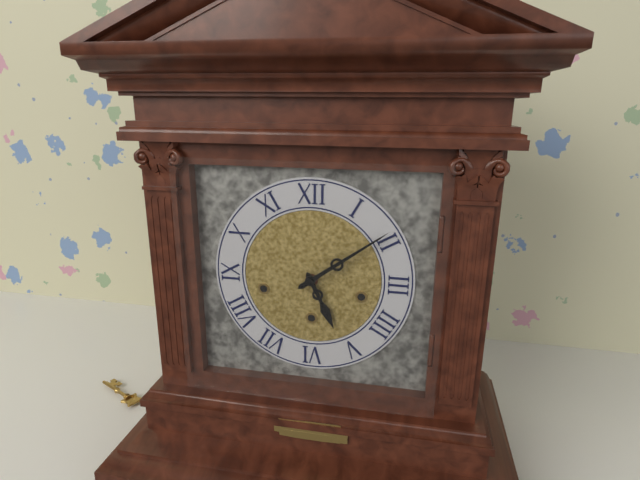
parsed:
5,09
